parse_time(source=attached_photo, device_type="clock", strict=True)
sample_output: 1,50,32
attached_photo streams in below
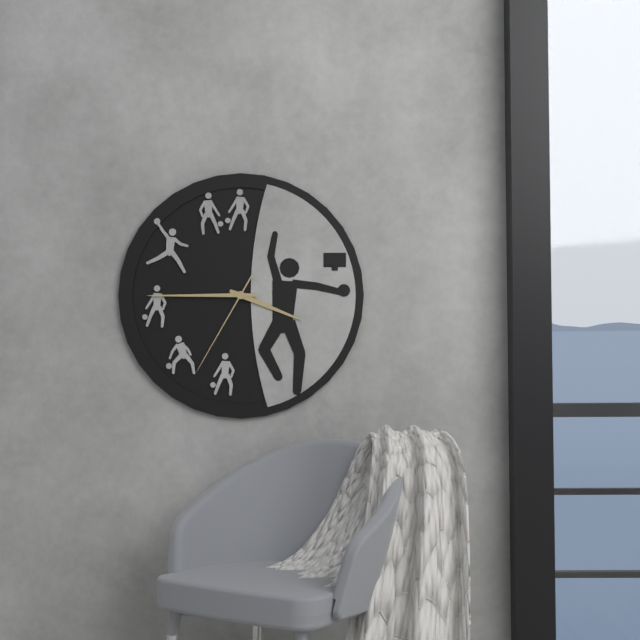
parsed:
3,45,35
